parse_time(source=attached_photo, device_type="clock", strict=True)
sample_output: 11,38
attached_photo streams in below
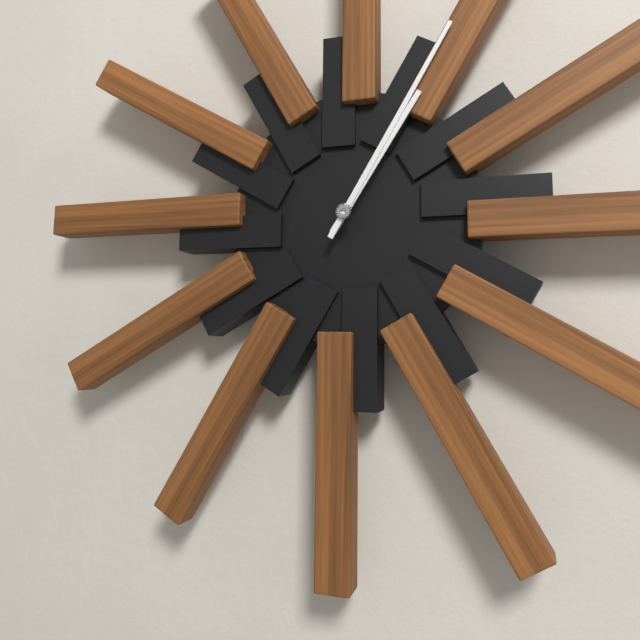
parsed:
1,05
